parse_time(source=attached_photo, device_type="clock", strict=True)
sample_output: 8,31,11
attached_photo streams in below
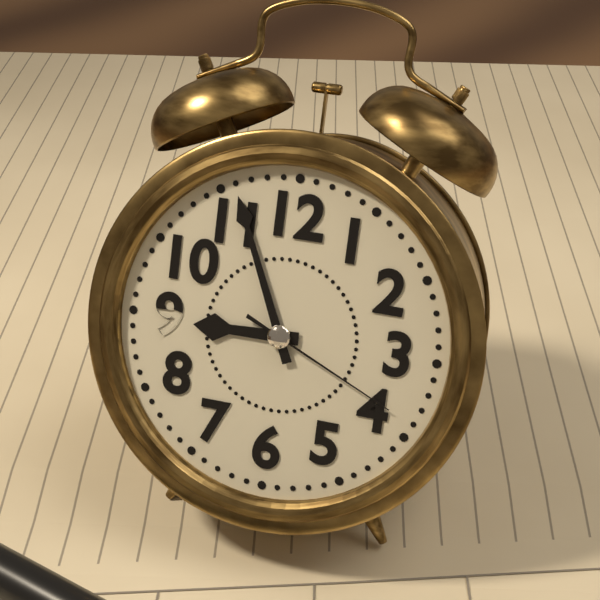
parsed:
8,56,19
